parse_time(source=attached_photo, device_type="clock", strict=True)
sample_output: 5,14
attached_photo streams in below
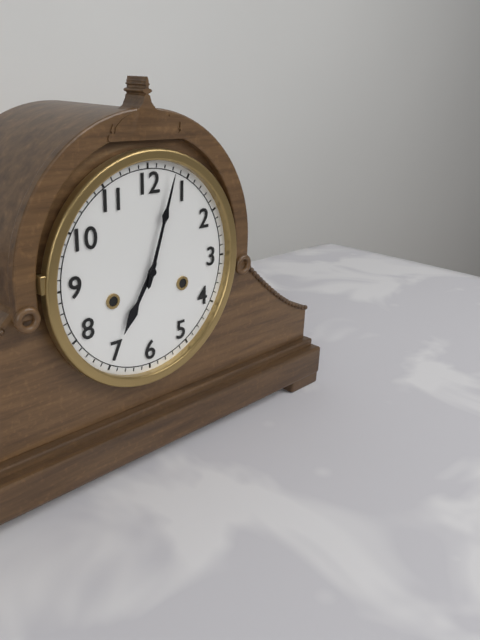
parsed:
7,03
